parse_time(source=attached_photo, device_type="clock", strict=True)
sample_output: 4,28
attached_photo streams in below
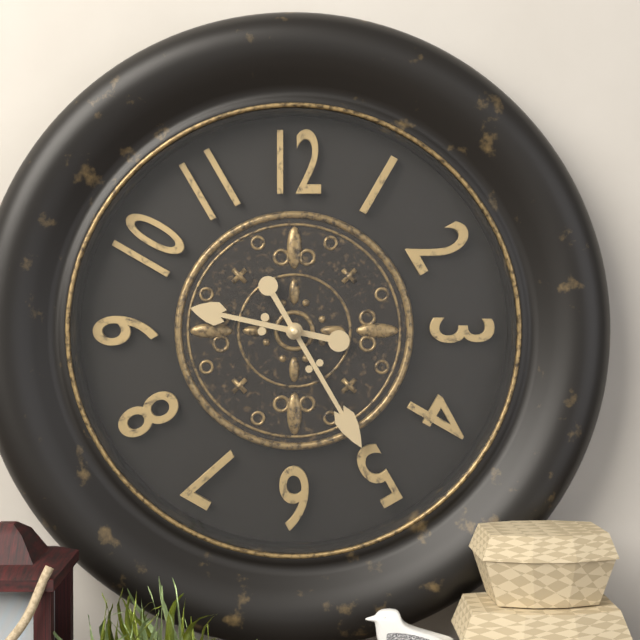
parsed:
9,25
